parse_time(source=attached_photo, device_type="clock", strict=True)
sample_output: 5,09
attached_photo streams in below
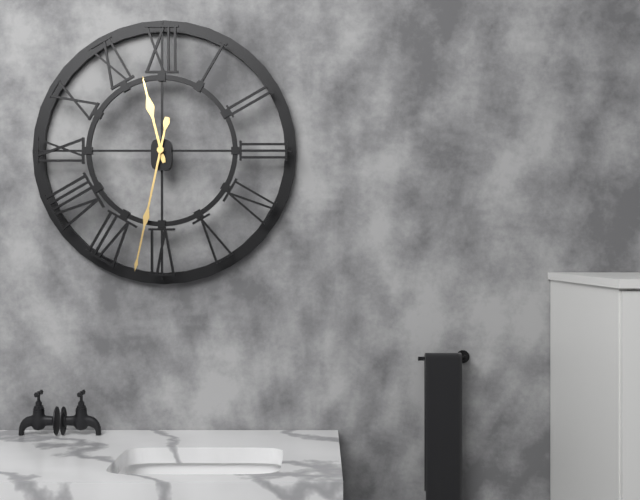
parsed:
11,32
